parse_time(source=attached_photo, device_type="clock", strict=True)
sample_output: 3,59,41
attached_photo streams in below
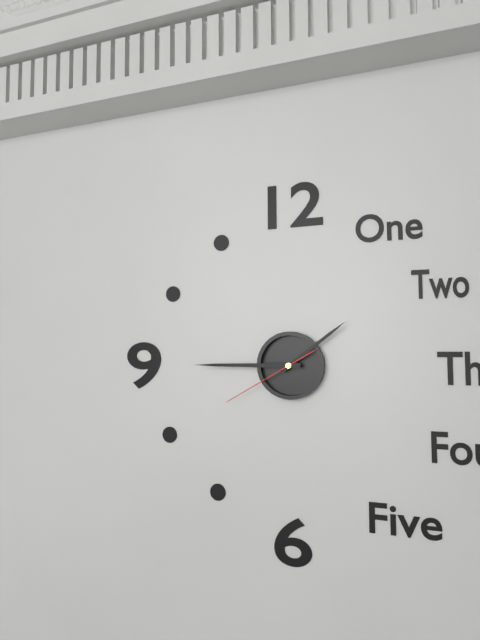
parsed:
1,45,40
